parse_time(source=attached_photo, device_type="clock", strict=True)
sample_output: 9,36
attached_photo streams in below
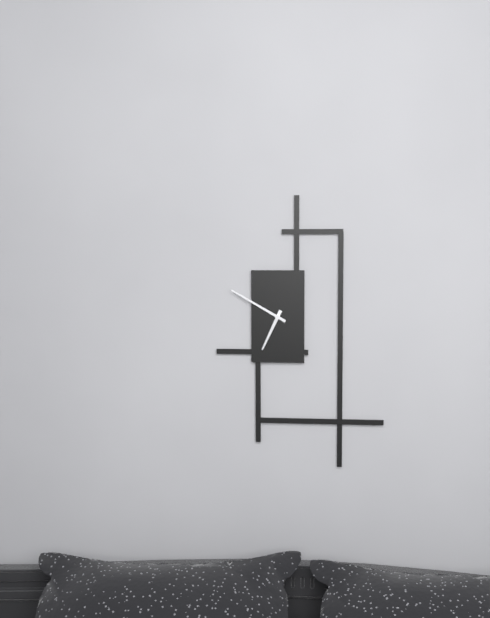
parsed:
6,50
